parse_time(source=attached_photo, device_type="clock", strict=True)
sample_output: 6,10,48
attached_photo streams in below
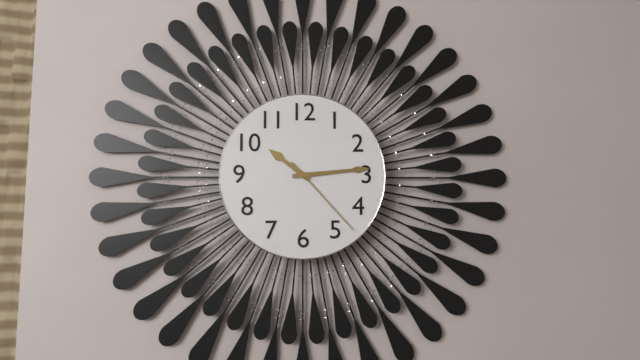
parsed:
10,14,23
